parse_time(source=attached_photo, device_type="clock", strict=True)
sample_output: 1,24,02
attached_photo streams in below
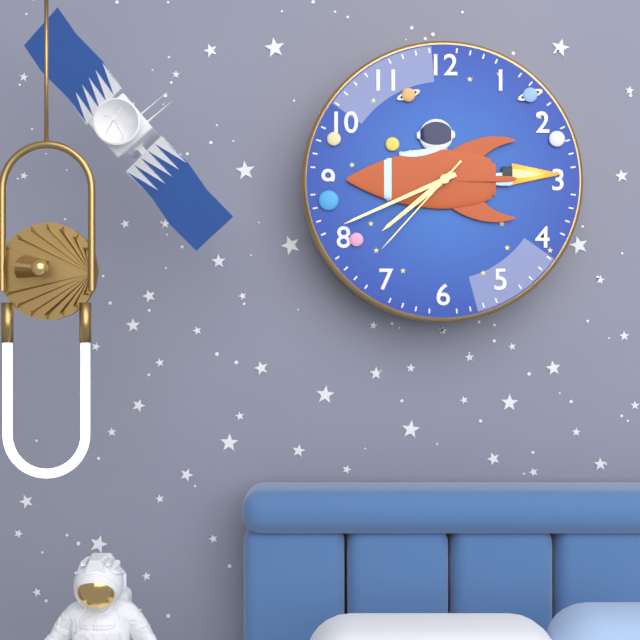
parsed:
7,41,37
